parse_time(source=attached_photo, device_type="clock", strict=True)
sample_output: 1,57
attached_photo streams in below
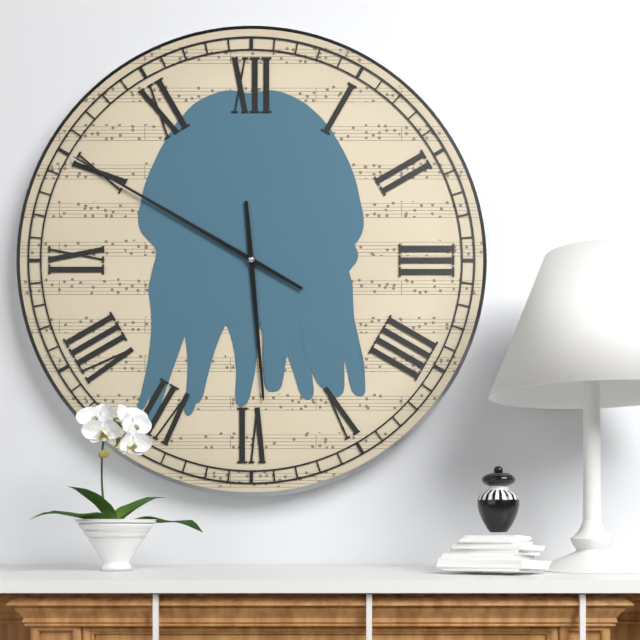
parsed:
5,50
